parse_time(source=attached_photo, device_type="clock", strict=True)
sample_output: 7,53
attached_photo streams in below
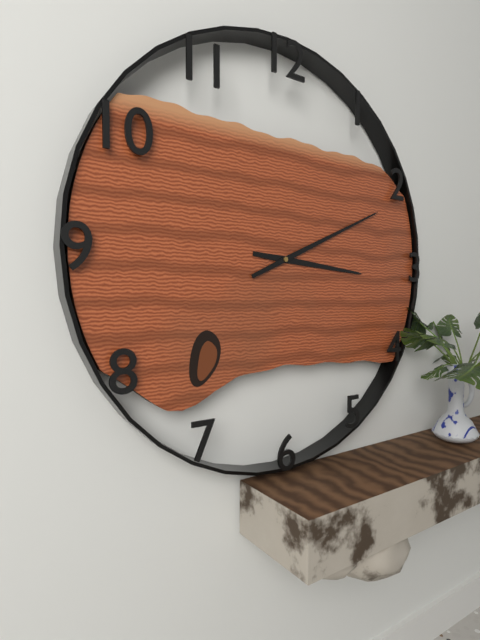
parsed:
3,11
